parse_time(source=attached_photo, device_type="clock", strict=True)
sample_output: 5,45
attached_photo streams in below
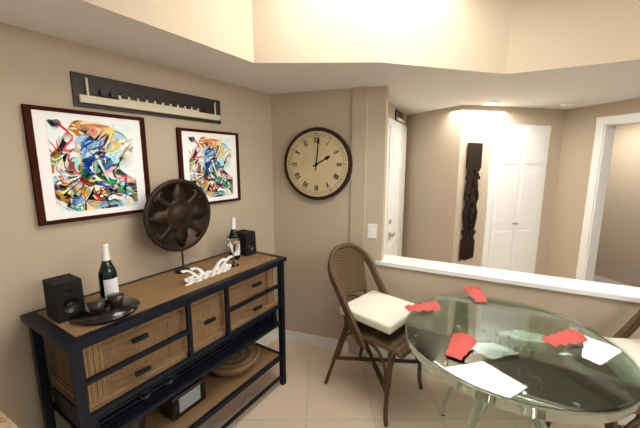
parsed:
2,01
